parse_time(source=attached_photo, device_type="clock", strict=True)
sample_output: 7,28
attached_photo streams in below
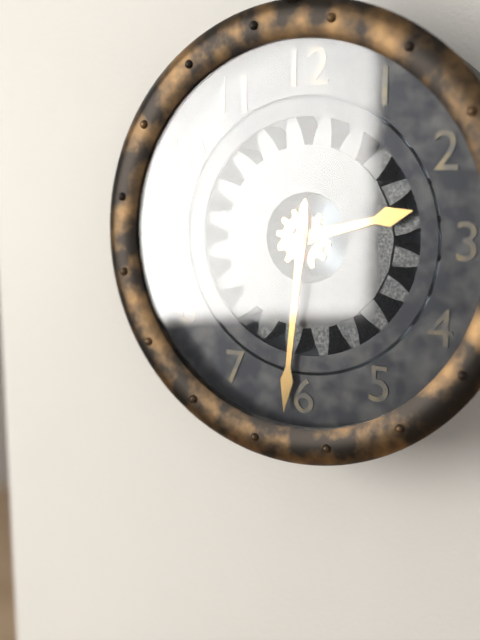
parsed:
2,31
